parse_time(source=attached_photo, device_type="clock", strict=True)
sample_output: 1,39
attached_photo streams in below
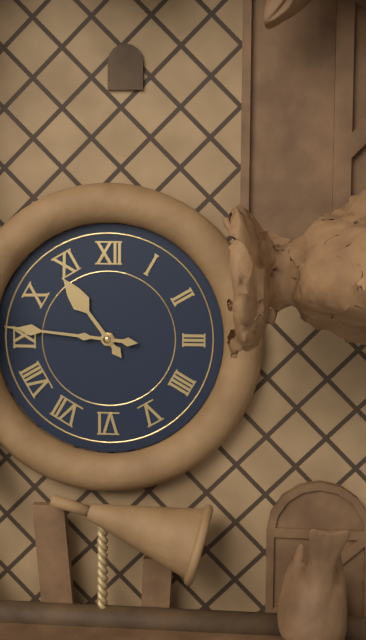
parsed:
10,46
